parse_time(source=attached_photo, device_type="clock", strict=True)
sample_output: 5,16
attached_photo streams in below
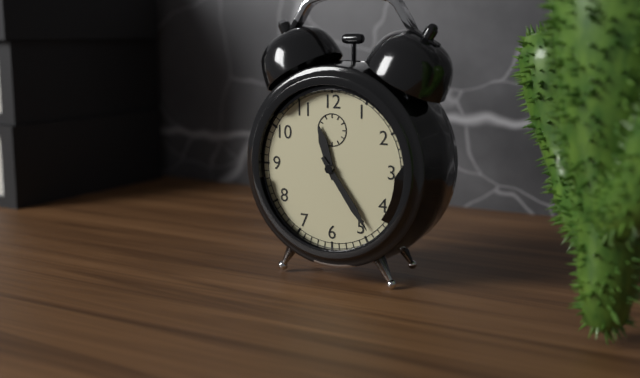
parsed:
11,24
